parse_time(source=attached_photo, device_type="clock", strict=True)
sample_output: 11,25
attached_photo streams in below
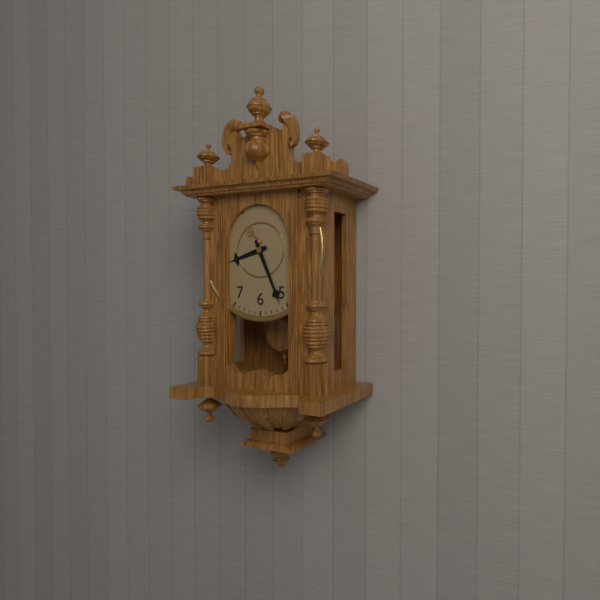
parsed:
8,26
